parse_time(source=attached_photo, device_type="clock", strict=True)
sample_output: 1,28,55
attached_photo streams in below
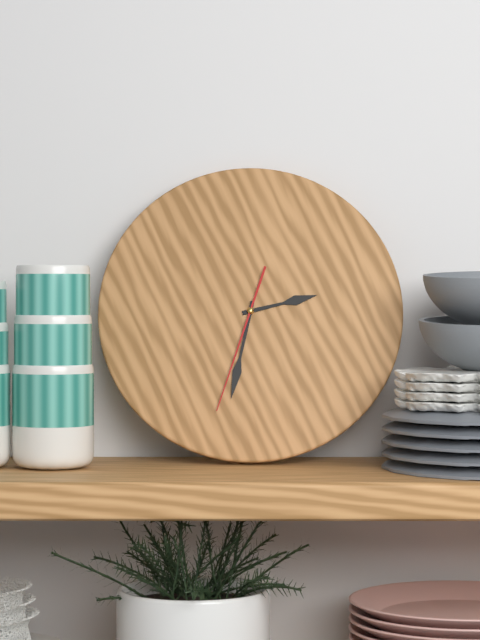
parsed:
2,32,33
